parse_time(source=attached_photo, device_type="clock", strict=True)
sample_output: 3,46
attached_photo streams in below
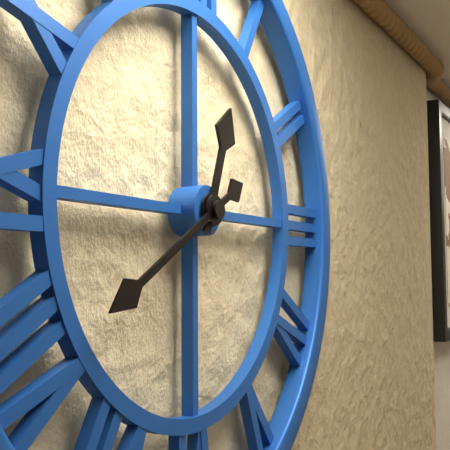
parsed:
12,40
